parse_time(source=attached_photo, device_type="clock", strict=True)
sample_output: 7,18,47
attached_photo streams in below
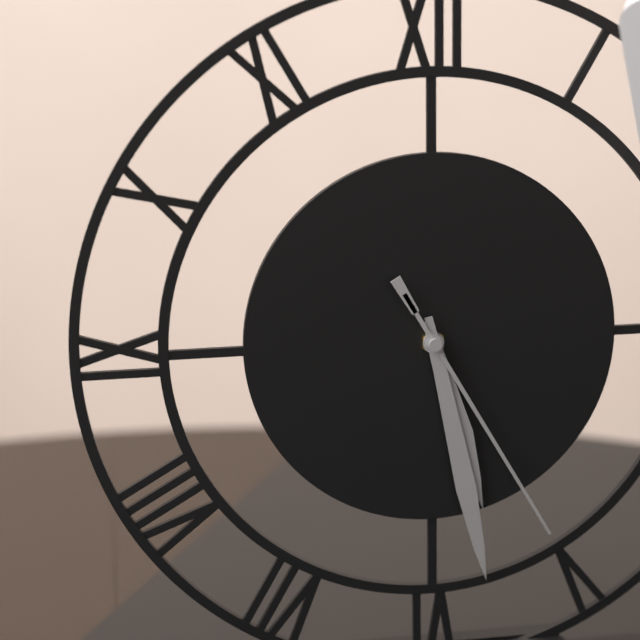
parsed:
5,28,25
